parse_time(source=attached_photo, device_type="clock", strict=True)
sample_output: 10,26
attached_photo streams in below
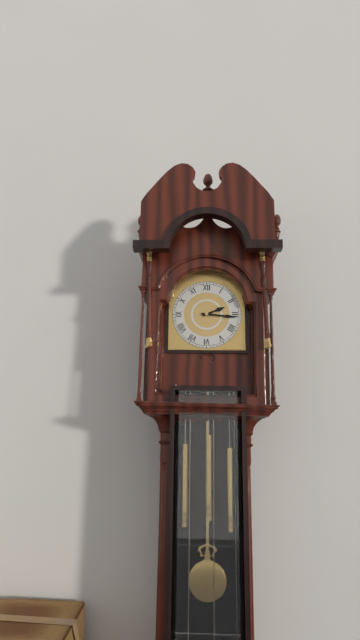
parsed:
2,16
